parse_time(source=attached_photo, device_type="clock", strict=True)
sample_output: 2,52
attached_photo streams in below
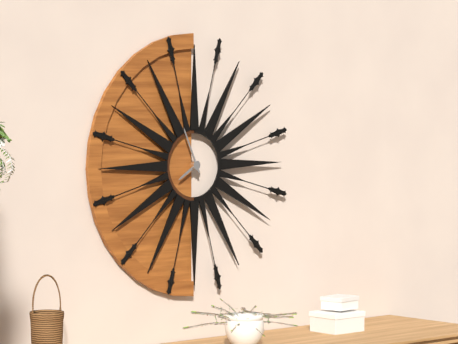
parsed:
7,56
